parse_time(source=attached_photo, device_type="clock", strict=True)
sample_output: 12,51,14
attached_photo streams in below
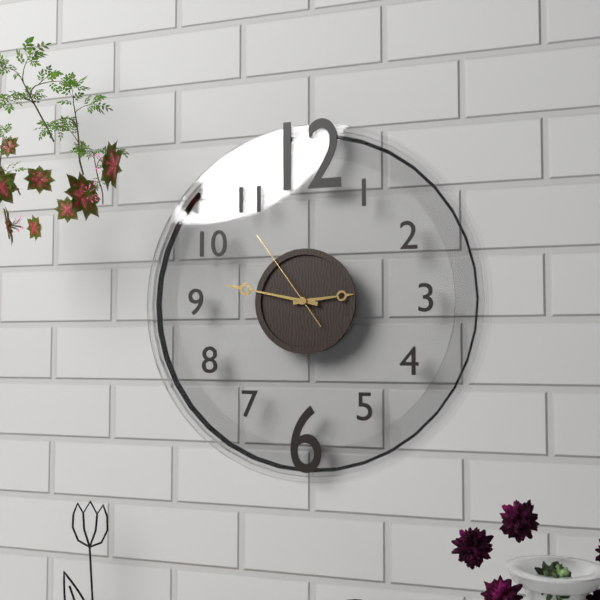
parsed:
2,47,54
